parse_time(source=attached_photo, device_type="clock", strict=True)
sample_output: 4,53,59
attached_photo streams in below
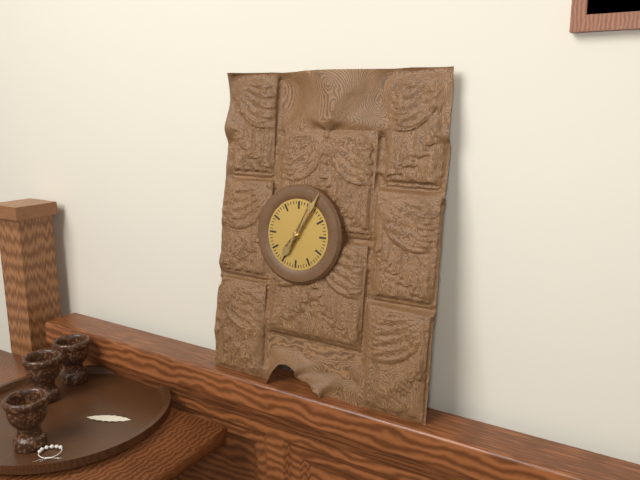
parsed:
7,05,04
